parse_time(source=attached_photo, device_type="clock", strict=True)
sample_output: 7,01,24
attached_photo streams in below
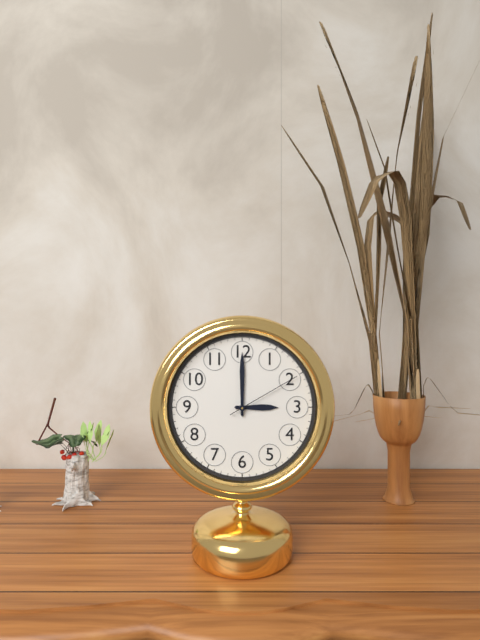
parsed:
3,00,10
